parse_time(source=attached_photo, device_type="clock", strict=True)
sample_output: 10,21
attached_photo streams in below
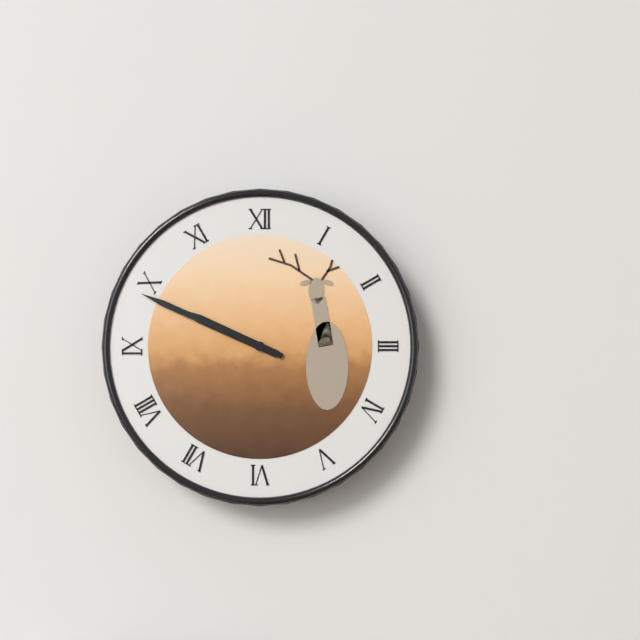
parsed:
9,49
